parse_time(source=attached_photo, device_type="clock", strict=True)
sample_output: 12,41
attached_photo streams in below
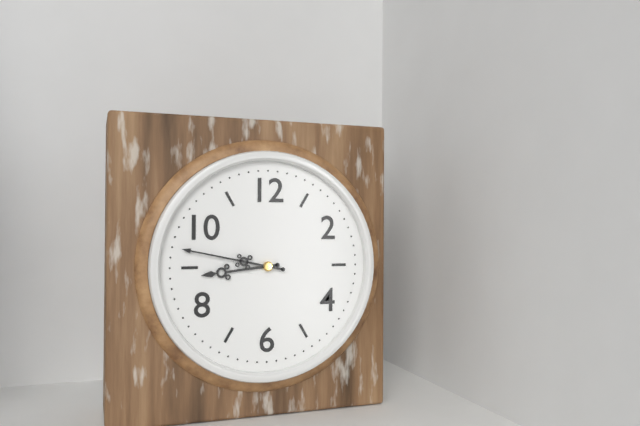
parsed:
8,47
